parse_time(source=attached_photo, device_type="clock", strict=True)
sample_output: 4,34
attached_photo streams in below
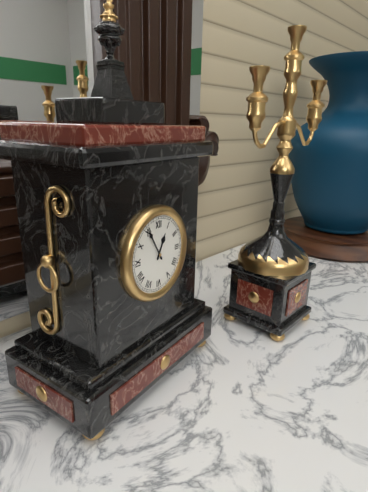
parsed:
12,55
